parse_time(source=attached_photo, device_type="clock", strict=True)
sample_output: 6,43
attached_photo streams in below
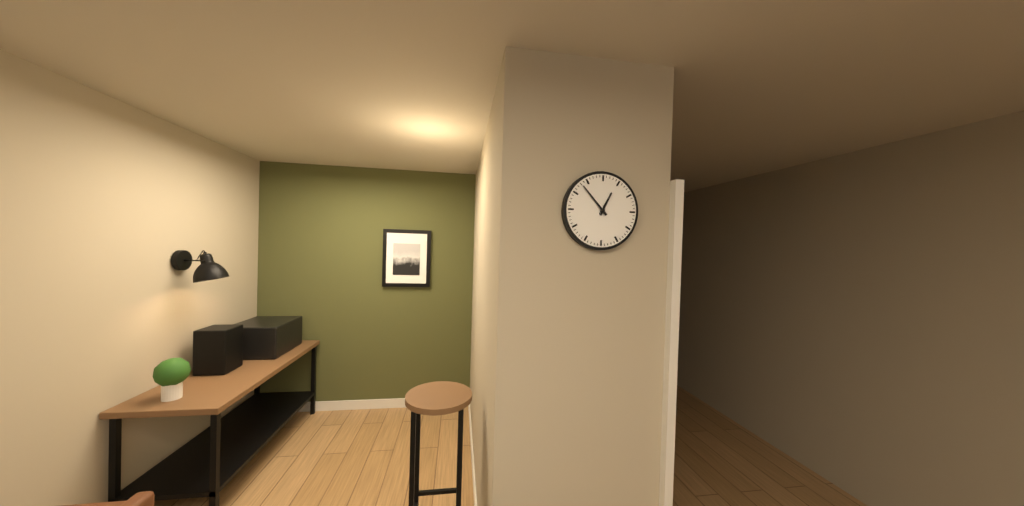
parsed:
12,53
